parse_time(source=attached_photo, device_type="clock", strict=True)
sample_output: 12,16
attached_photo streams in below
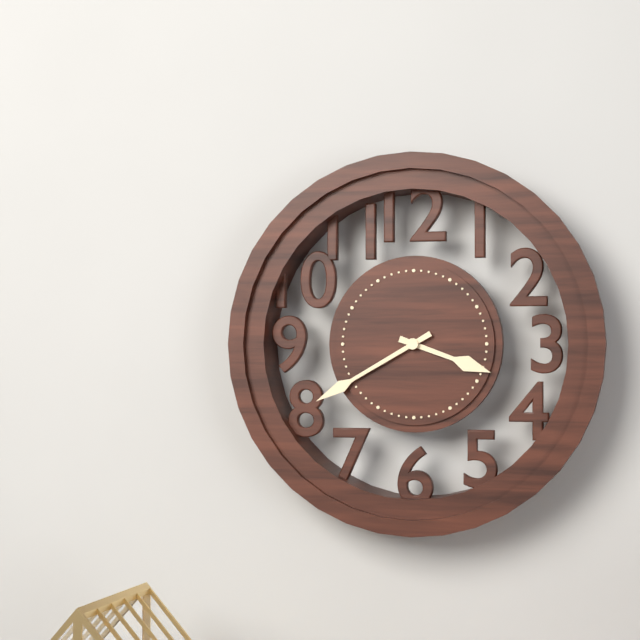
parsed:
3,40
